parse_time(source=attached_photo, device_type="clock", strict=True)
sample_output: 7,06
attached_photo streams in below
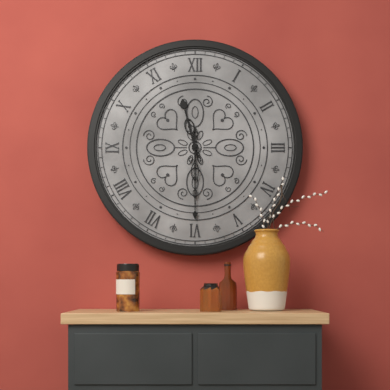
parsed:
11,30
